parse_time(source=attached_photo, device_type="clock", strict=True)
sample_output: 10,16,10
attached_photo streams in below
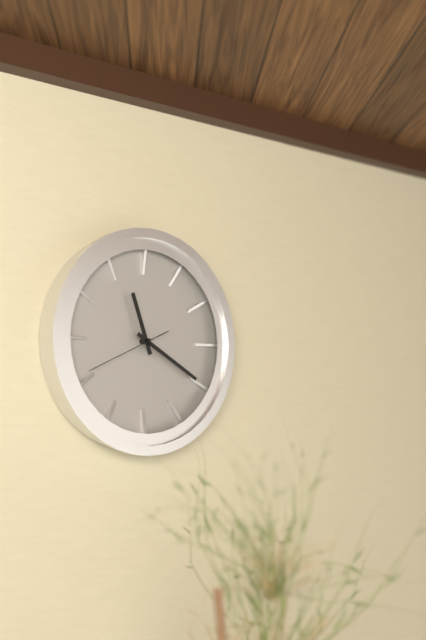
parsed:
11,20,41
